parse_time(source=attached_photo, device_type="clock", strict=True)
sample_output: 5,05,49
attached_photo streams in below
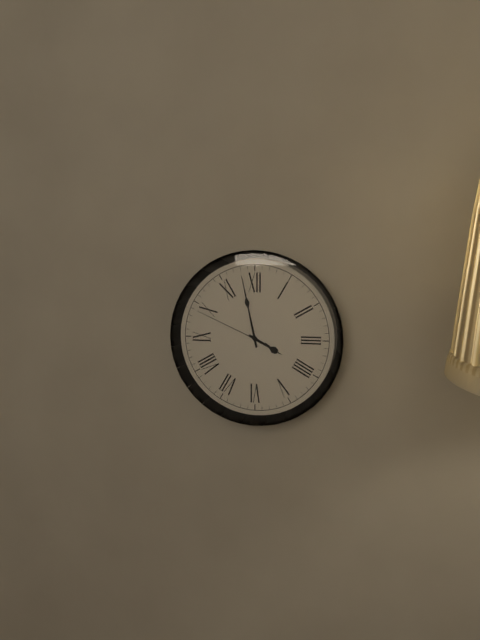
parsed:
3,58,49
